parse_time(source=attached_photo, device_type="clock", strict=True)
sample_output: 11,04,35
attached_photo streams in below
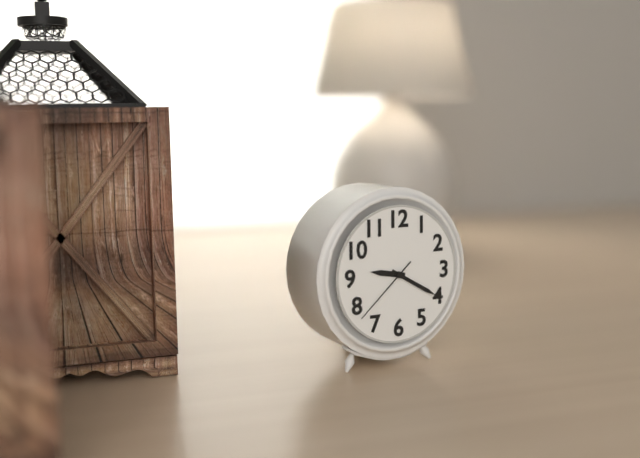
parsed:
9,20,38
